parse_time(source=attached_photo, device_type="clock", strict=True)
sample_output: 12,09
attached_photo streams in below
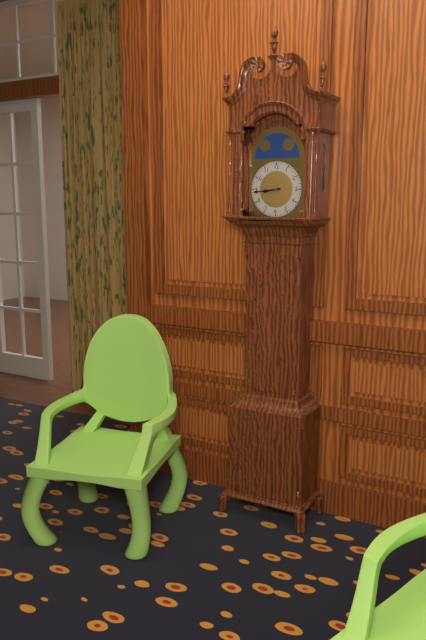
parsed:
8,44
